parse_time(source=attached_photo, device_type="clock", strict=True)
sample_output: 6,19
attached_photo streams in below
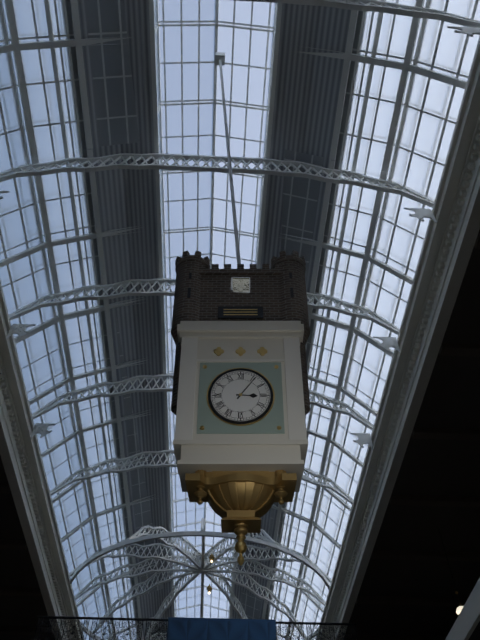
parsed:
3,06
